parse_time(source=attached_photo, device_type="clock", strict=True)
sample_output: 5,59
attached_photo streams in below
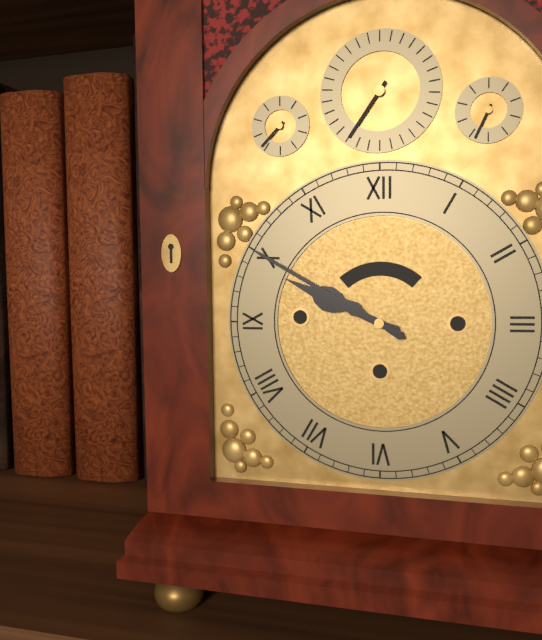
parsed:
9,50
